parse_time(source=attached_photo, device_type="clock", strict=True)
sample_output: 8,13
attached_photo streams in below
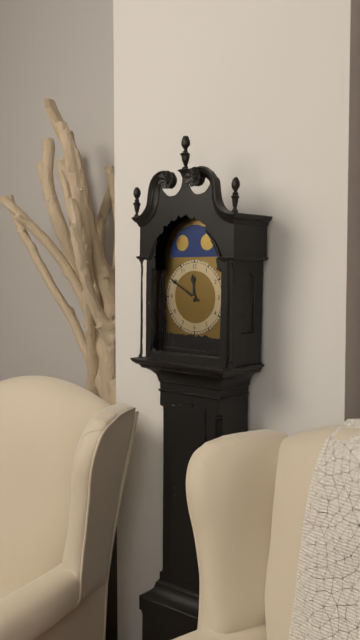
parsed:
11,50
